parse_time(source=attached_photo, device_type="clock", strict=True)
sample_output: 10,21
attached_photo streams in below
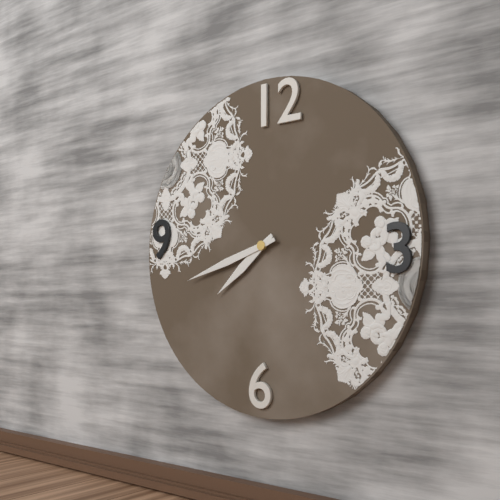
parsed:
7,42
